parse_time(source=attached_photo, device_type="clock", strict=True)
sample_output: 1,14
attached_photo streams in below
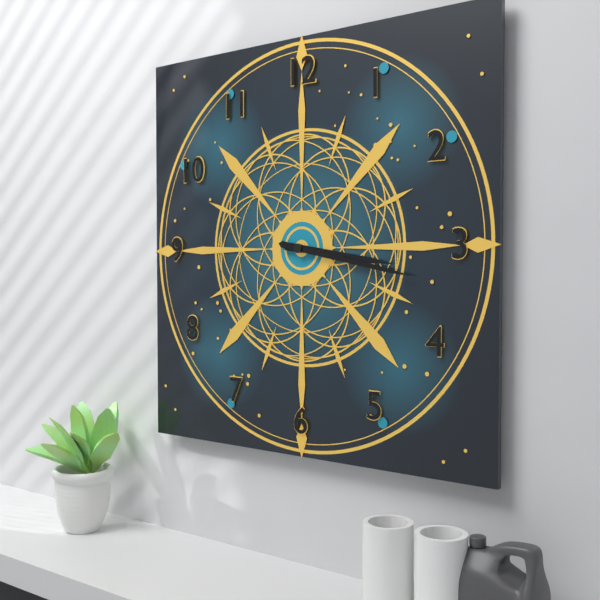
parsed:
3,17
